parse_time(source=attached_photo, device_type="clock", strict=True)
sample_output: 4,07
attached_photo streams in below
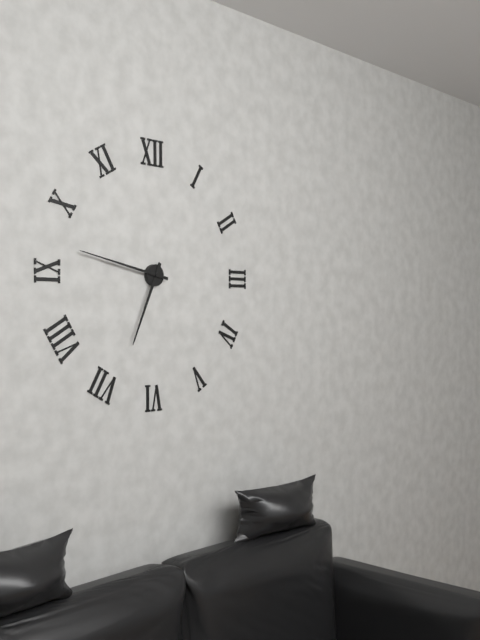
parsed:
6,47
